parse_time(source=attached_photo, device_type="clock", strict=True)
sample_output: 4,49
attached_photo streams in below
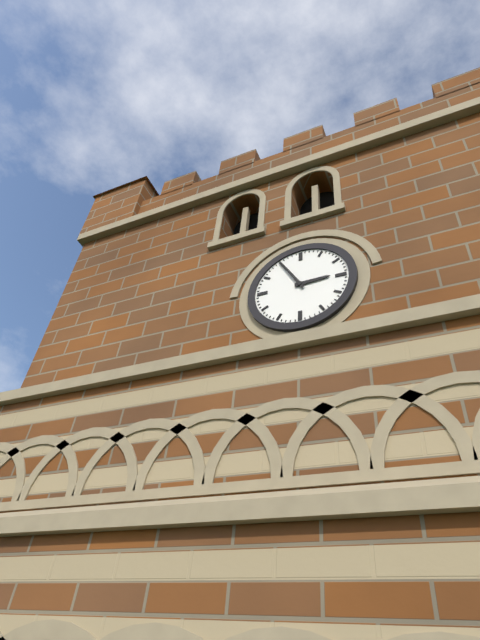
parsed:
2,55
